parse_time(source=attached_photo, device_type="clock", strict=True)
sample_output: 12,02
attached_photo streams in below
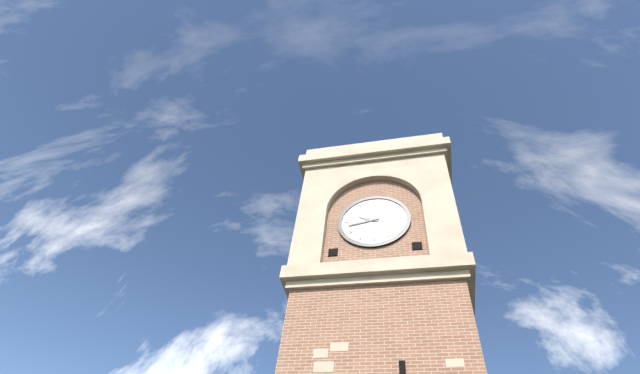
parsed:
9,43
